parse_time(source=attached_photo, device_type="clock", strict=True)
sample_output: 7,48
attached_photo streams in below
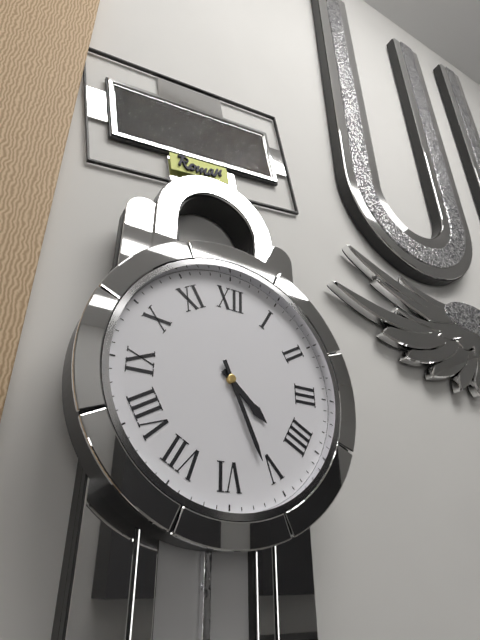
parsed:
4,26
